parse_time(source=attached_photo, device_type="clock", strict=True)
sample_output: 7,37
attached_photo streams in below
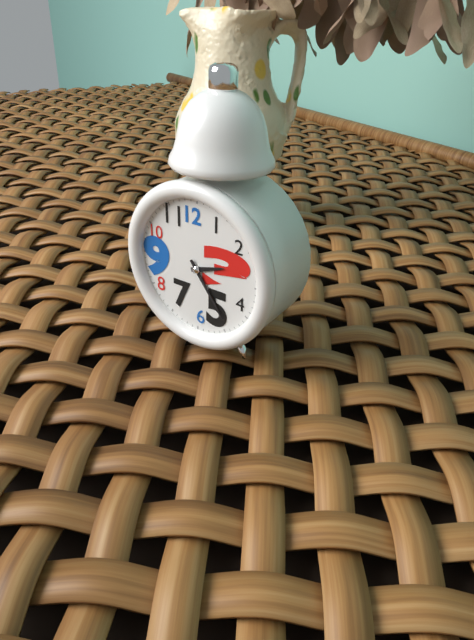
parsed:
2,24
